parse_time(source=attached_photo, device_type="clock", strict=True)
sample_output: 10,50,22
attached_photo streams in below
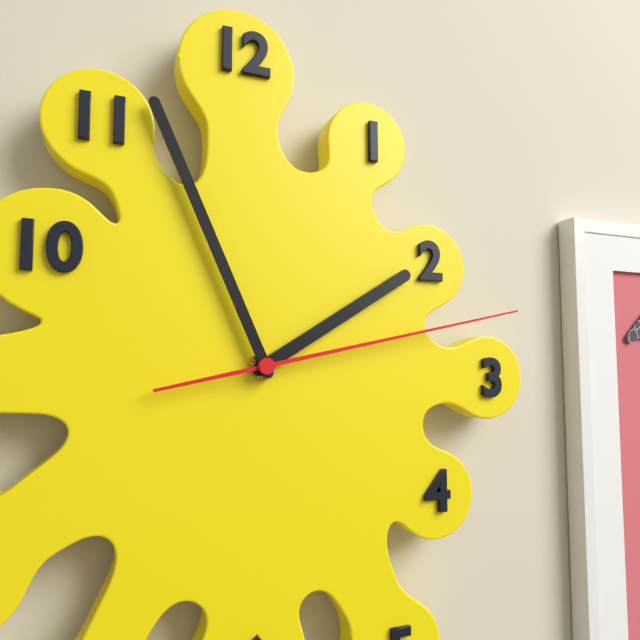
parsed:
1,56,13
